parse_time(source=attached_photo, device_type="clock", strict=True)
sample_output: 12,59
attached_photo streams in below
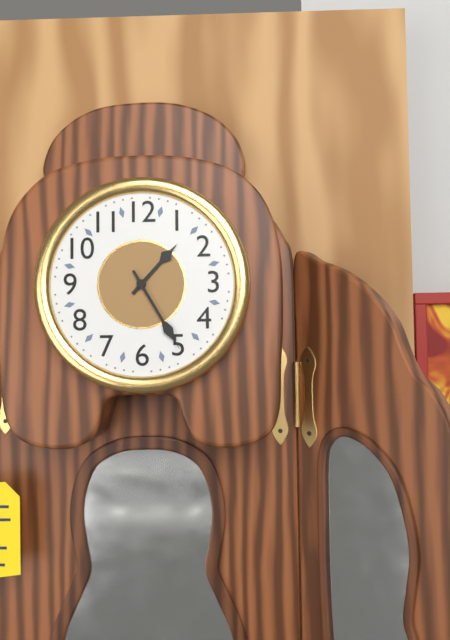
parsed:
1,25
